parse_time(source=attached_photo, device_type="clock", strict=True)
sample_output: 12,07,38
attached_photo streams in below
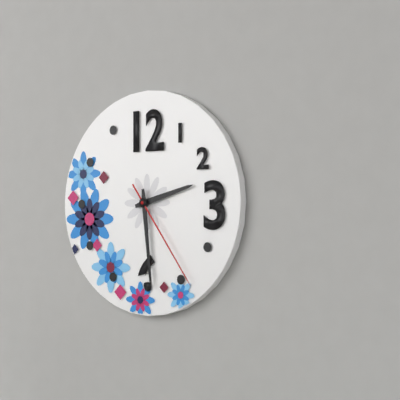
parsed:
2,29,24
